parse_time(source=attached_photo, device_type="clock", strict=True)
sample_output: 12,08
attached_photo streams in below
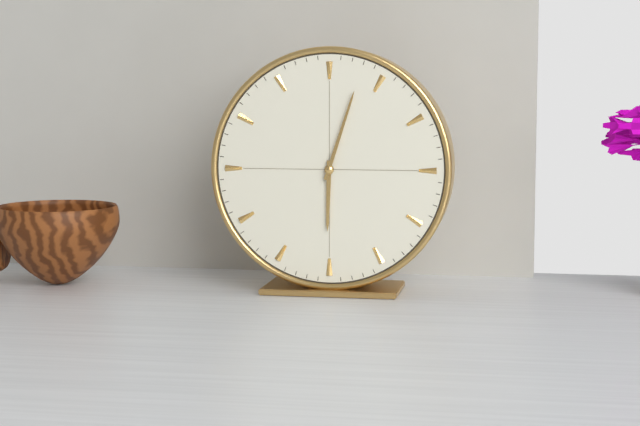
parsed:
6,03
